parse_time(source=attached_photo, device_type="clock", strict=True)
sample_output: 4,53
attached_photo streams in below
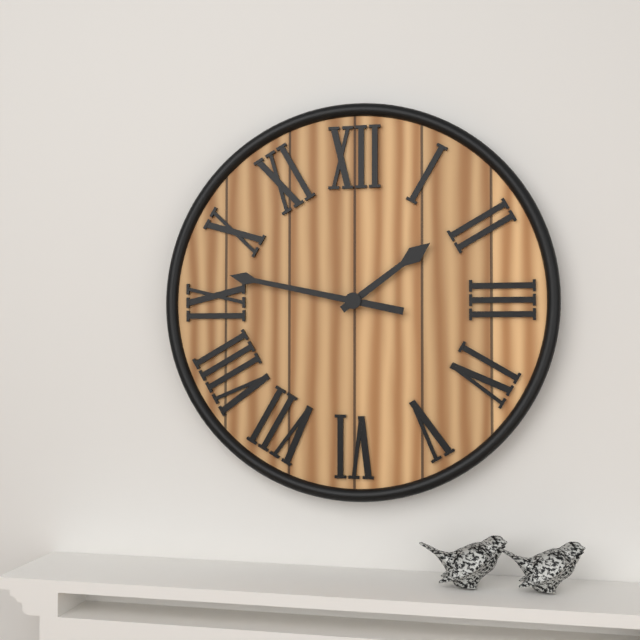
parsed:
1,47
